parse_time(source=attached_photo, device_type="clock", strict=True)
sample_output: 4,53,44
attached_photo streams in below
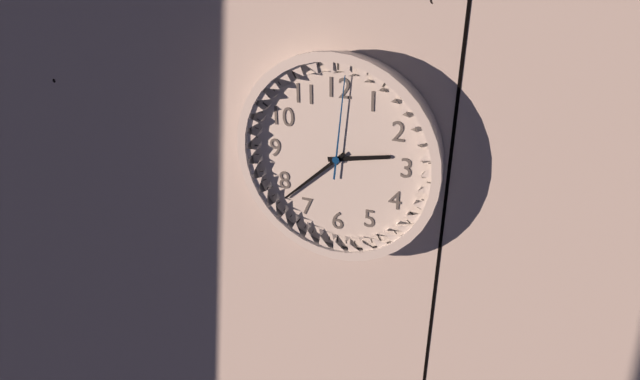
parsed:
2,38,01
